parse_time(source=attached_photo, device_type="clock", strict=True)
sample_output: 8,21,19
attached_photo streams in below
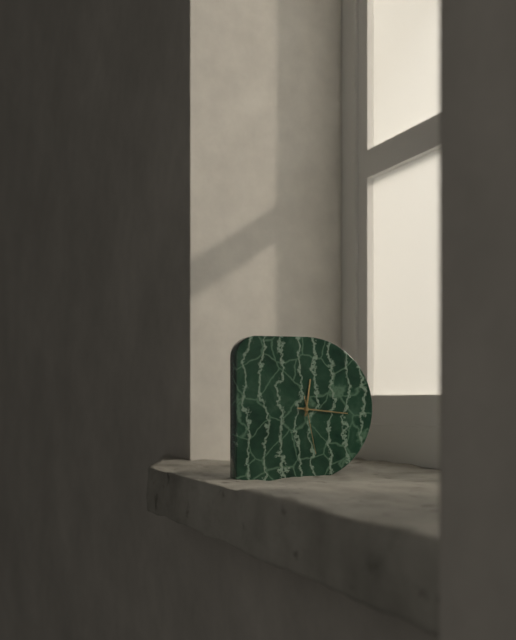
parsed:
12,16,28
